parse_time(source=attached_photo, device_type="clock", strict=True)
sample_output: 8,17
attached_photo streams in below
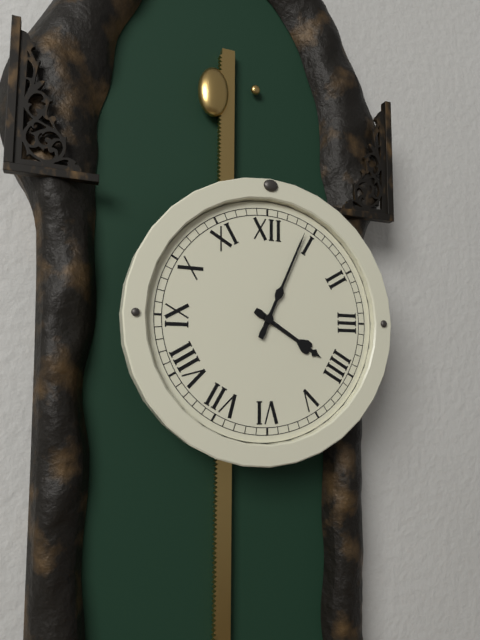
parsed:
4,04
